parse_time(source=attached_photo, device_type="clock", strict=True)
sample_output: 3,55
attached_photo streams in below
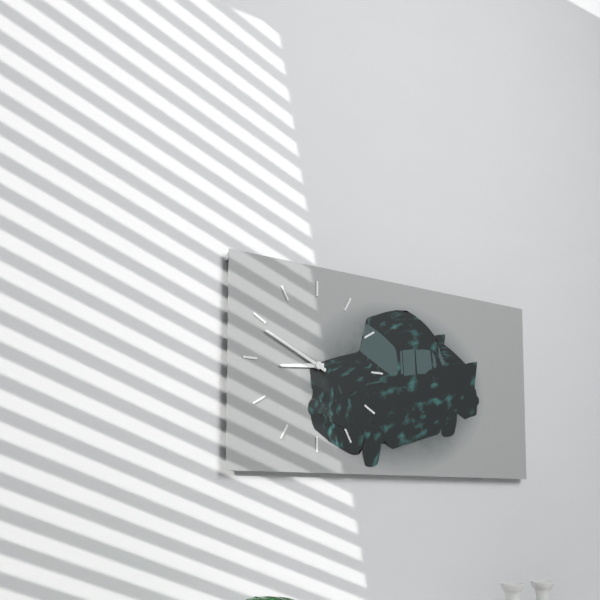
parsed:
8,49
